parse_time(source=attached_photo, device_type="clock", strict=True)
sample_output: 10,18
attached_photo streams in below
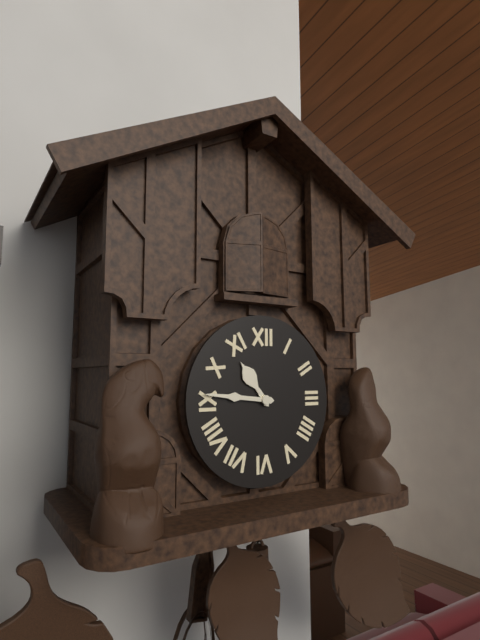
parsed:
10,46
